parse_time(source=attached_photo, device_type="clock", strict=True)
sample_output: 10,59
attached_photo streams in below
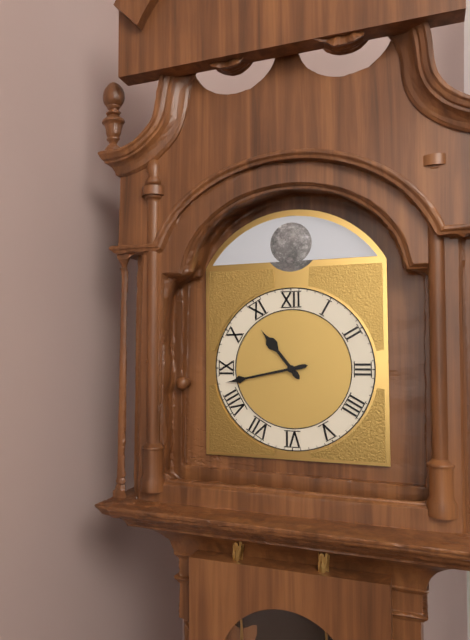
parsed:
10,43
